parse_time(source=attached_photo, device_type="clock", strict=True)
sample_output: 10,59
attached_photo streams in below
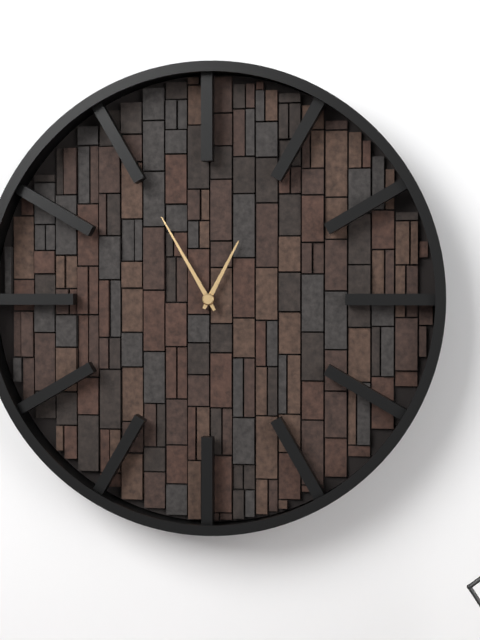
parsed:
12,55
